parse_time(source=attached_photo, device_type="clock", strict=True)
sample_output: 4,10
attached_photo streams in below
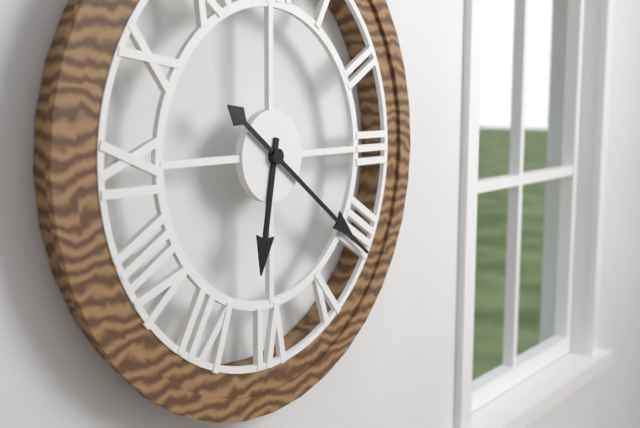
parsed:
6,21
